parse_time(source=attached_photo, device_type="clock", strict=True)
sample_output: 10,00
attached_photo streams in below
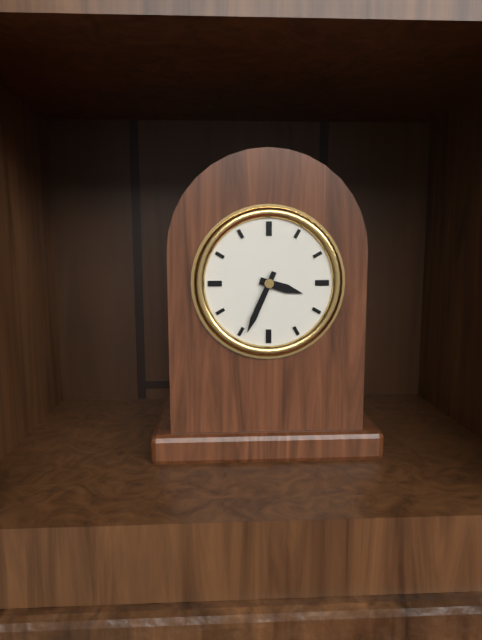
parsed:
3,34
